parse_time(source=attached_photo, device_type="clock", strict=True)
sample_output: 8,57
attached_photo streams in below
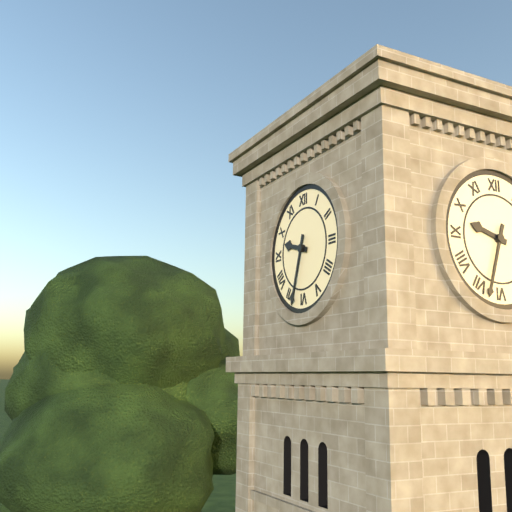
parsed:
9,33
